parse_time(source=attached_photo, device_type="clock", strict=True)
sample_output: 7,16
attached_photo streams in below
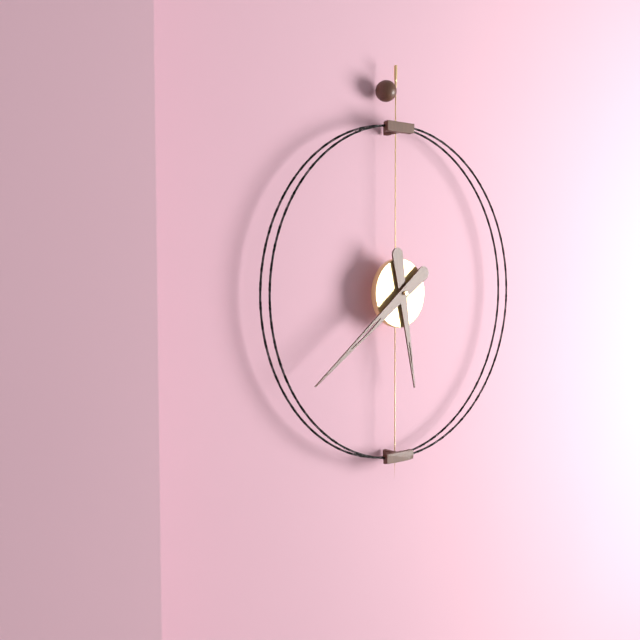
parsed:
5,39
